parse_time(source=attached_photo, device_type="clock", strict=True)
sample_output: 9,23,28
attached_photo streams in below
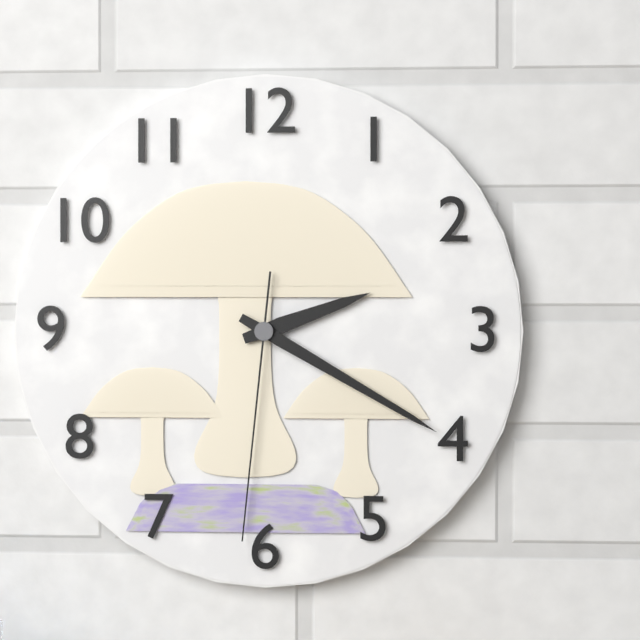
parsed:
2,20,31
